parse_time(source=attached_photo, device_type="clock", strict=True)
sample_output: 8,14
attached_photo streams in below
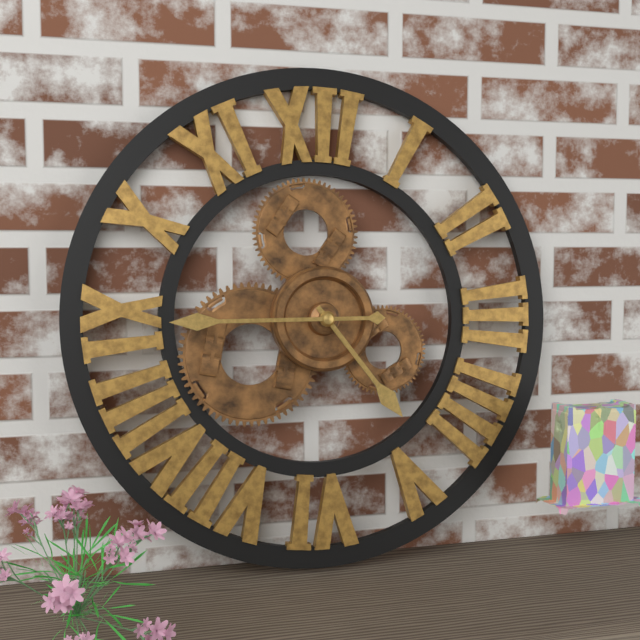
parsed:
4,45
